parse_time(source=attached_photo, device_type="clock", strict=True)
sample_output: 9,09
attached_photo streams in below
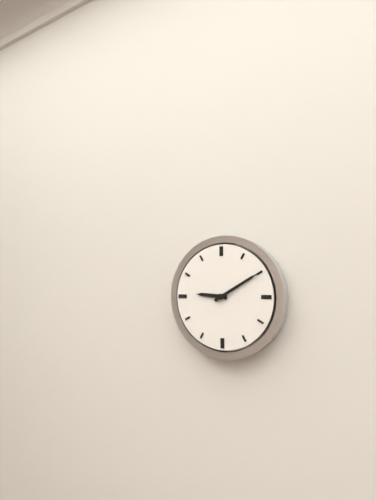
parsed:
9,10
